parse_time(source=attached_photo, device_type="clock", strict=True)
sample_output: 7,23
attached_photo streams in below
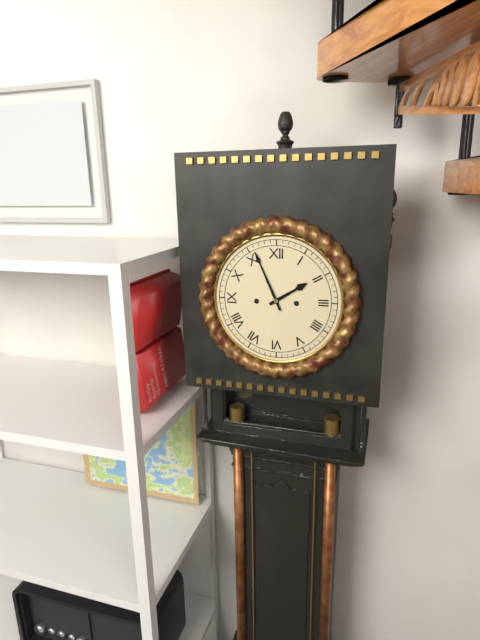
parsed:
1,56
